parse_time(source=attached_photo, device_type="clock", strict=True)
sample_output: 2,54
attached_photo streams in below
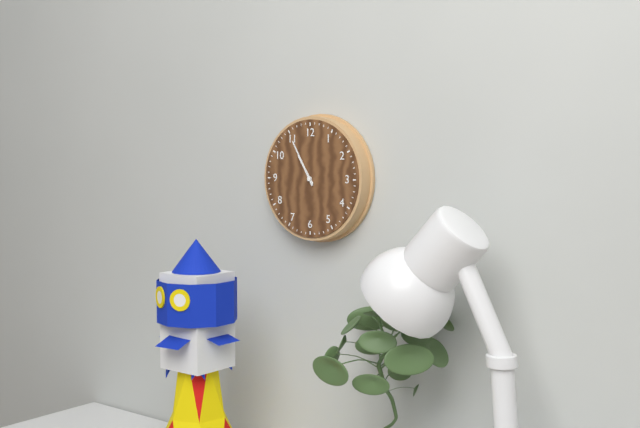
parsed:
10,55
